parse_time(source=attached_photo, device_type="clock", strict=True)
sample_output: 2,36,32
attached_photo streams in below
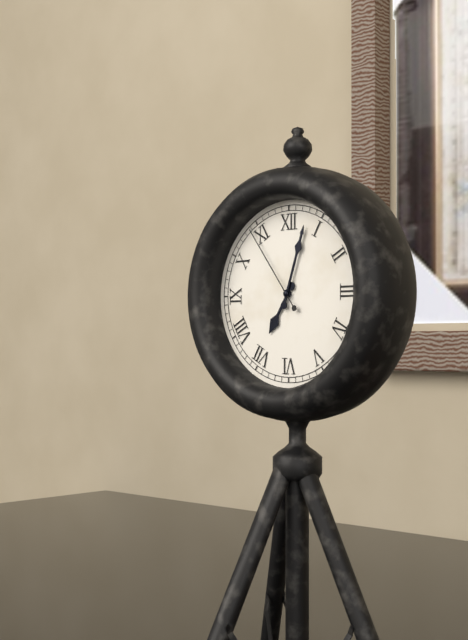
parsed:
7,03,54
